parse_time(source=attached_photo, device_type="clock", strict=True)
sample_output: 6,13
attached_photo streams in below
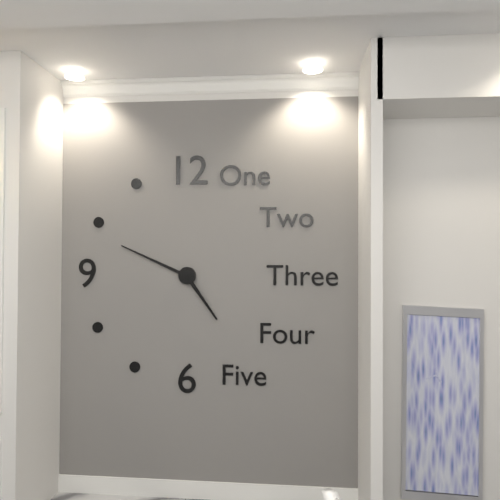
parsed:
4,49
